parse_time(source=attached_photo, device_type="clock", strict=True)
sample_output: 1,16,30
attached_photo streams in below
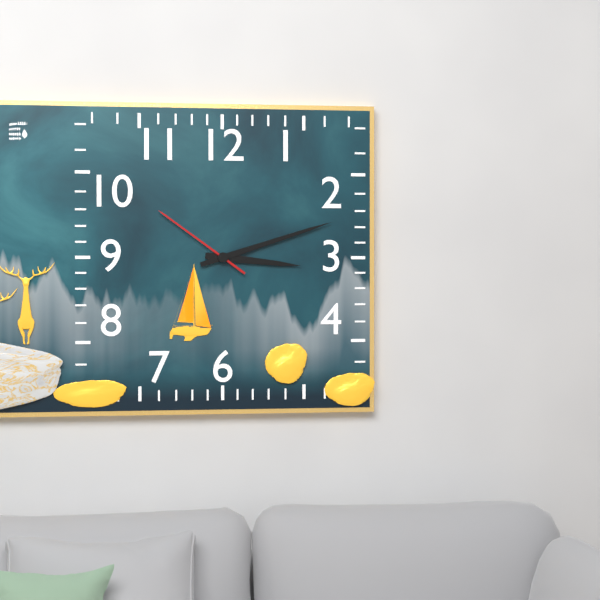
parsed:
3,12,51
